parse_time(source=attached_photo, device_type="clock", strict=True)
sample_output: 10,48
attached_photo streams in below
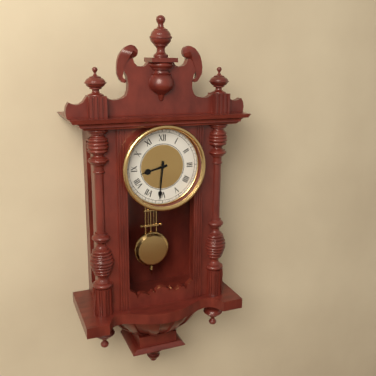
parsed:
8,31
